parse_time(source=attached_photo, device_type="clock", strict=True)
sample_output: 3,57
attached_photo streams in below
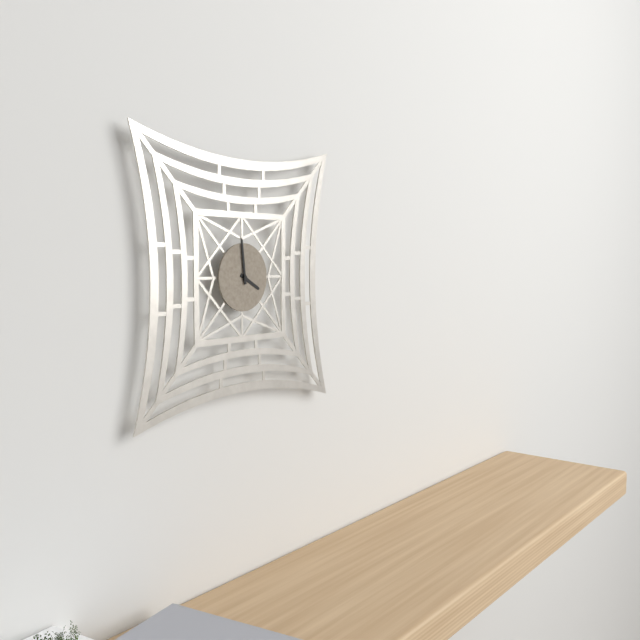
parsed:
3,59
